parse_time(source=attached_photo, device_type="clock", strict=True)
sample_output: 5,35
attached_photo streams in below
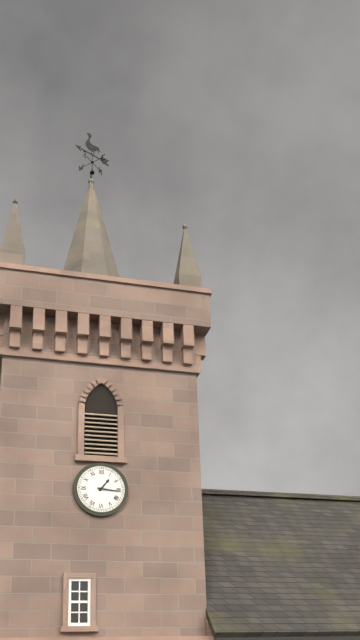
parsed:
1,16
